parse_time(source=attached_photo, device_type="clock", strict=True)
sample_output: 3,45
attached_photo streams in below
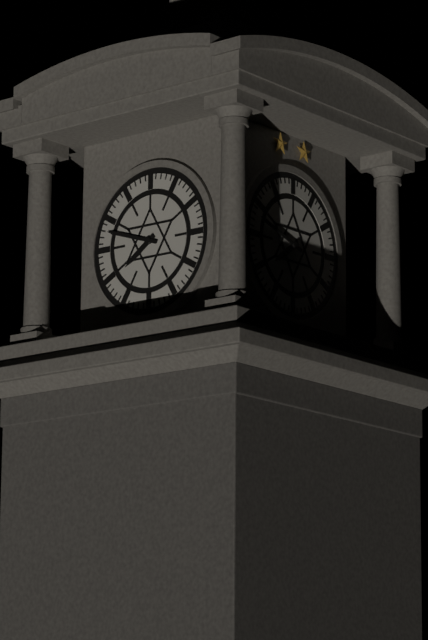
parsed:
7,48
